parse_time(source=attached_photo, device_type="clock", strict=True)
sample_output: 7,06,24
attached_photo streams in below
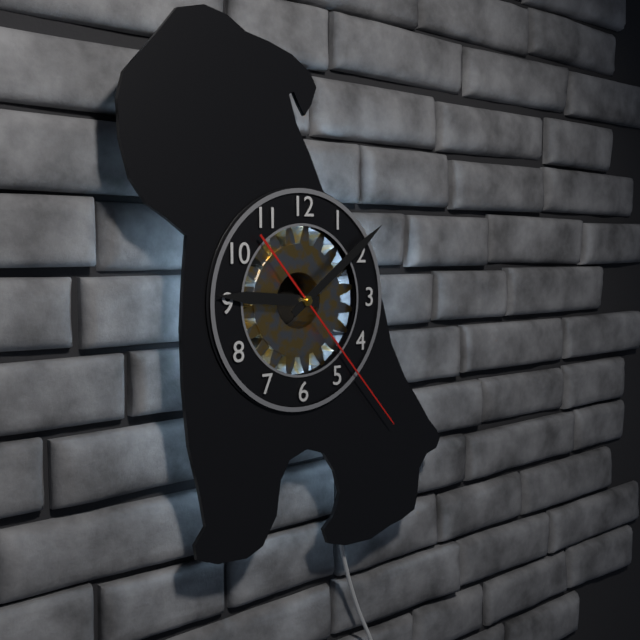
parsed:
9,09,23
